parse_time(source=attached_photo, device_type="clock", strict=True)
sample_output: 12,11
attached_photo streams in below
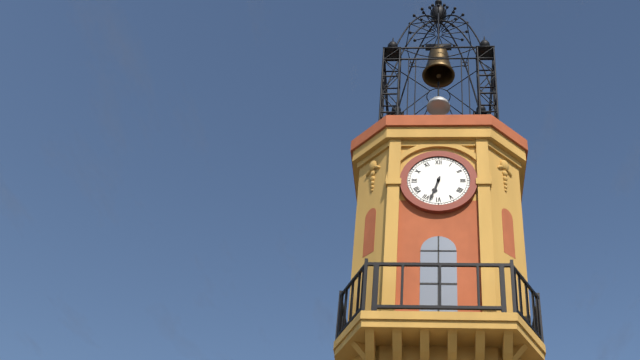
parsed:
6,33
